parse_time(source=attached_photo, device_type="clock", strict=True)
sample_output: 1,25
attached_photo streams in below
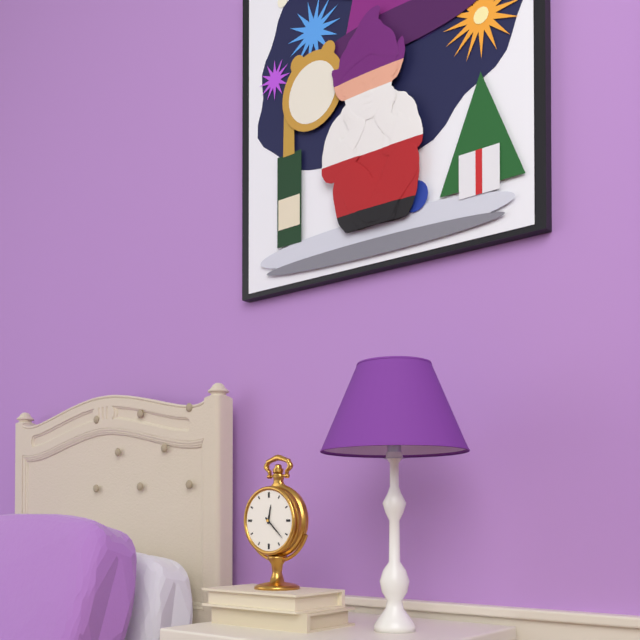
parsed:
12,22
